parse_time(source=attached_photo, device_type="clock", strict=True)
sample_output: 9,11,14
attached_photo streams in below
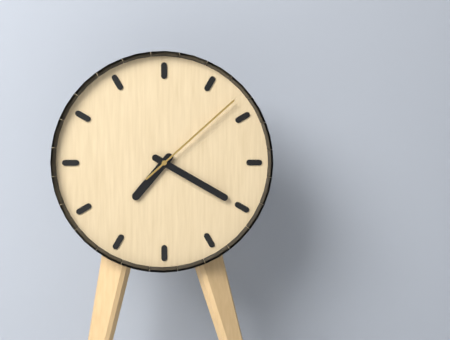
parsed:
7,20,08
